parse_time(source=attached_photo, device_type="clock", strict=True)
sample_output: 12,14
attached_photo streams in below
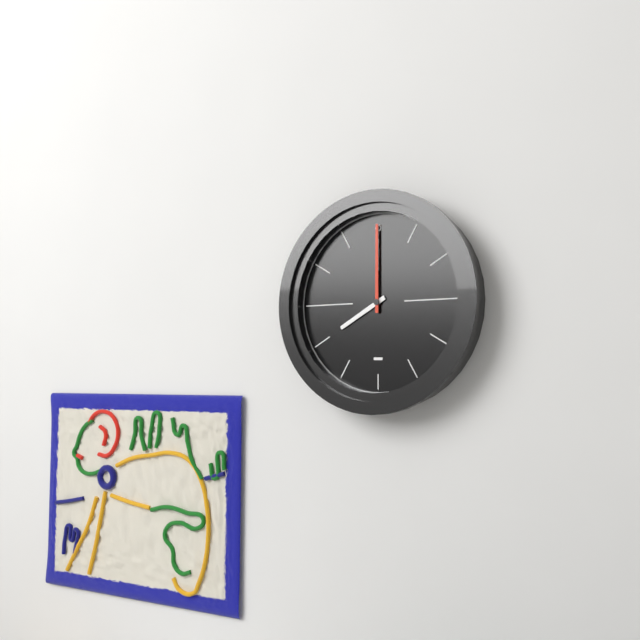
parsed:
8,00
